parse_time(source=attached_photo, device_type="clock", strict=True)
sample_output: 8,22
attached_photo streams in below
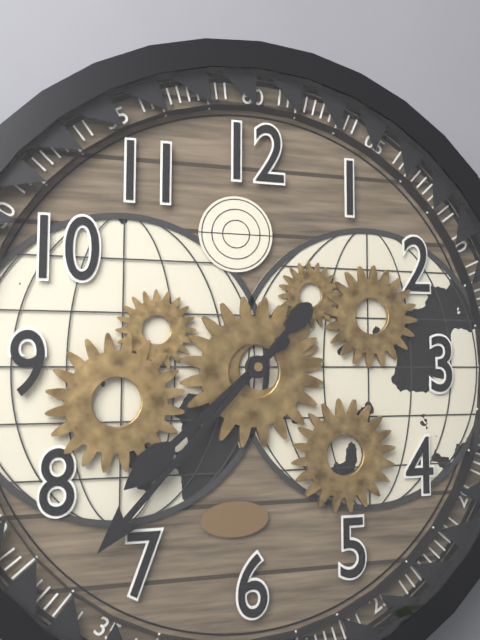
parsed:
7,37
